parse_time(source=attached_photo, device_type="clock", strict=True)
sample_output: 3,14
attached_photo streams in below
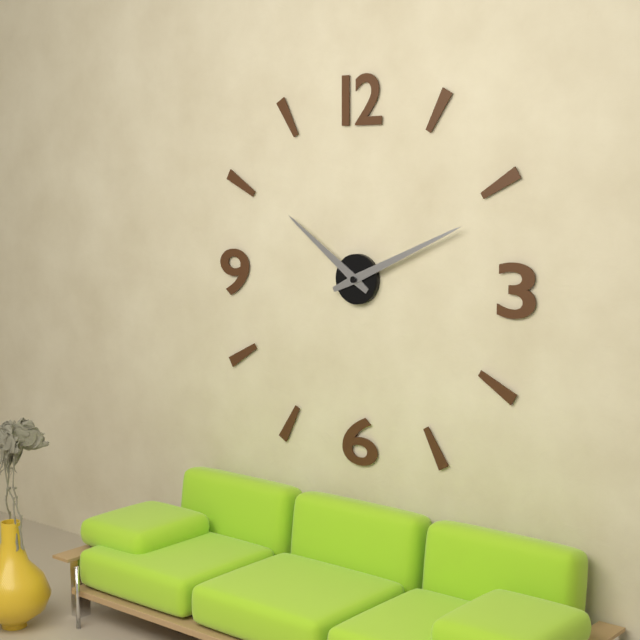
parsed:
10,11
